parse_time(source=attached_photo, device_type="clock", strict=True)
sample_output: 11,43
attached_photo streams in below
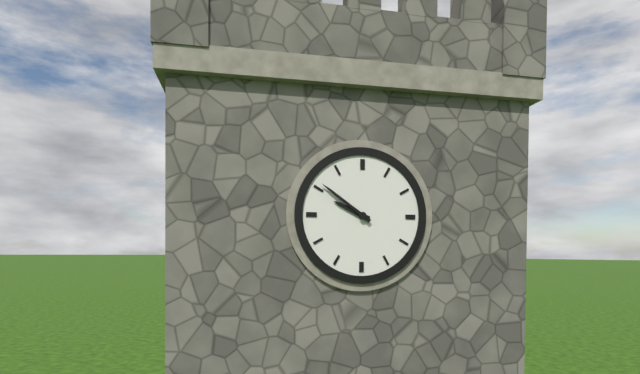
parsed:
9,51
